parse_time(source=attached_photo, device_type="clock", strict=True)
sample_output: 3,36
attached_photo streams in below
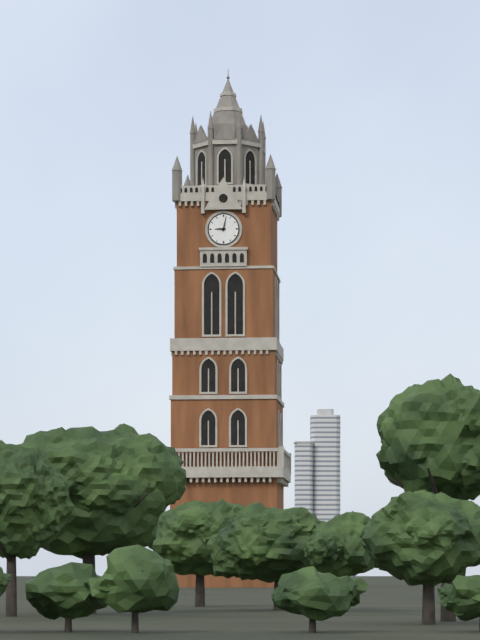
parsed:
9,02
